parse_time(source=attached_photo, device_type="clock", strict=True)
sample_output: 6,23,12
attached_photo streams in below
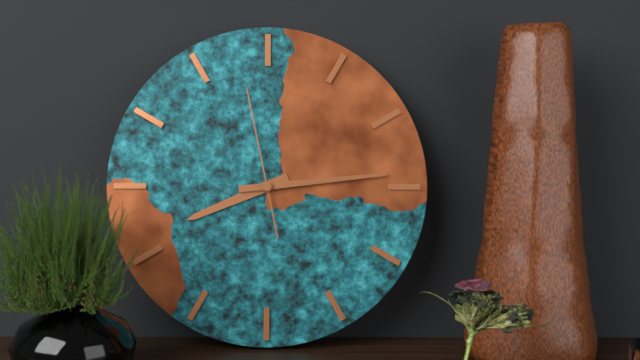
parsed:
8,14,58
